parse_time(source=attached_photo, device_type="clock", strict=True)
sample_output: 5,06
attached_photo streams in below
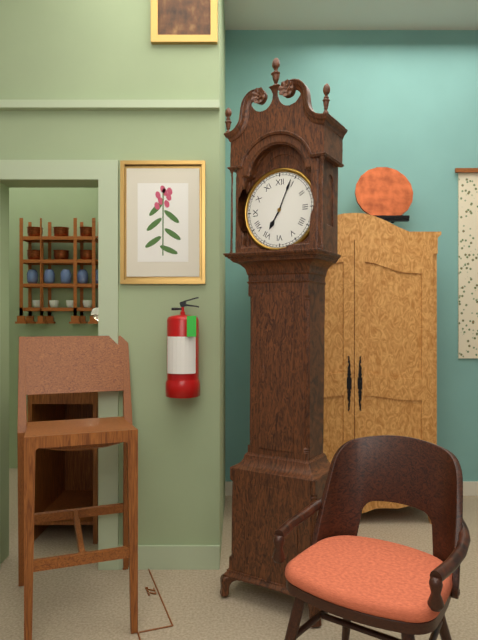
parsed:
7,04
